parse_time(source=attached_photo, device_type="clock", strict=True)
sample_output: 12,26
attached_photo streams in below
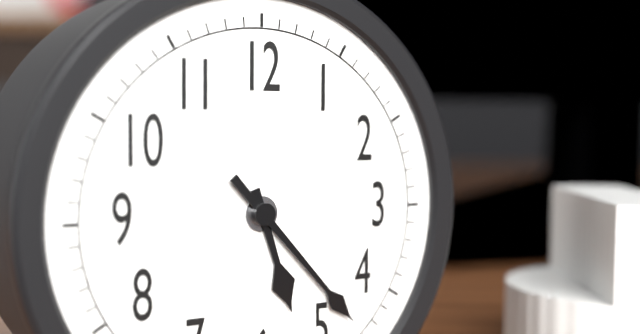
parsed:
5,23
